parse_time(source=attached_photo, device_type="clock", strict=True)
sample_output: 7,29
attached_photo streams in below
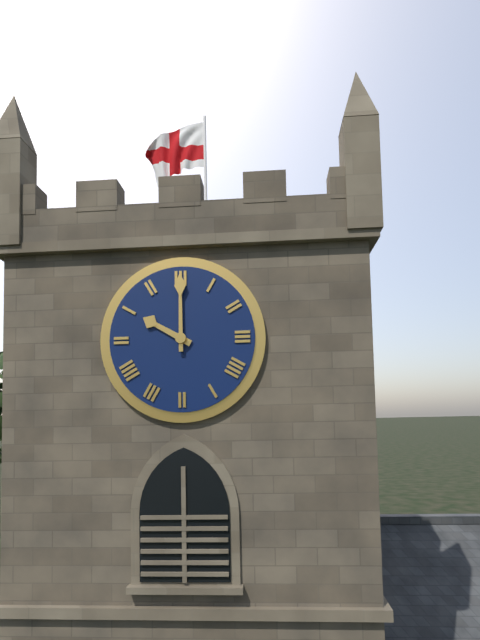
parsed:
10,00
